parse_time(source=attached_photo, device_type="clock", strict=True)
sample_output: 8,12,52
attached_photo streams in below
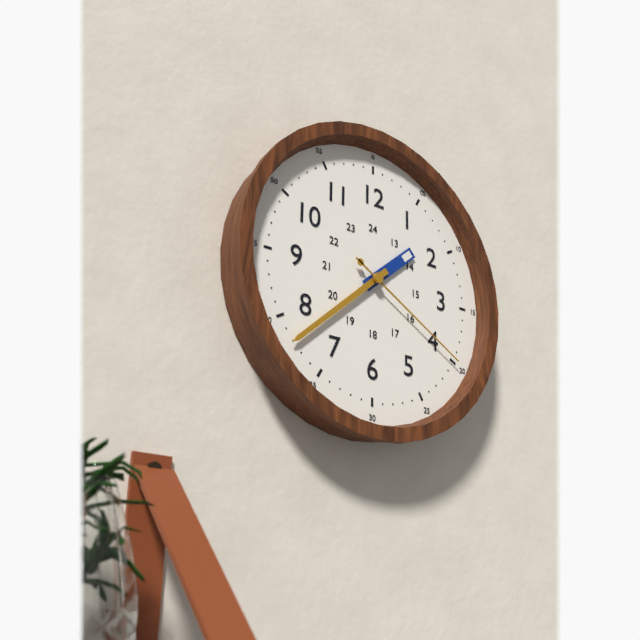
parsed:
1,38,20
